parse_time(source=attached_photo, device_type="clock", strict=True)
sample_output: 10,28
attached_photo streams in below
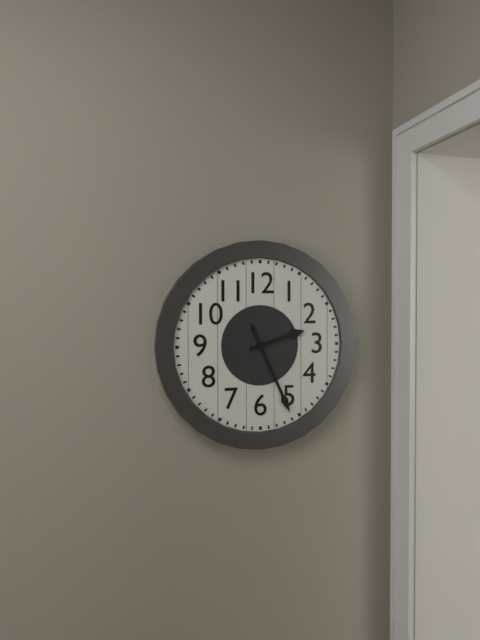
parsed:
2,26
